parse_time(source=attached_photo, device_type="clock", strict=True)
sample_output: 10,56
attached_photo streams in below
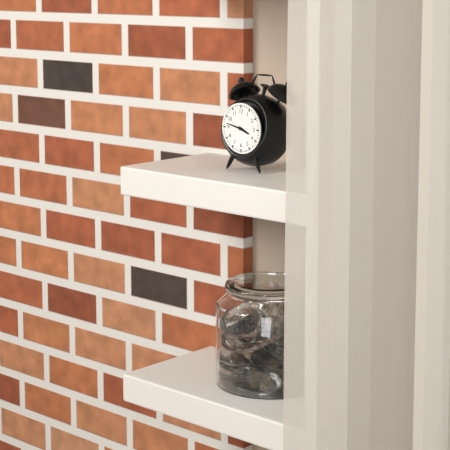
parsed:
3,47
